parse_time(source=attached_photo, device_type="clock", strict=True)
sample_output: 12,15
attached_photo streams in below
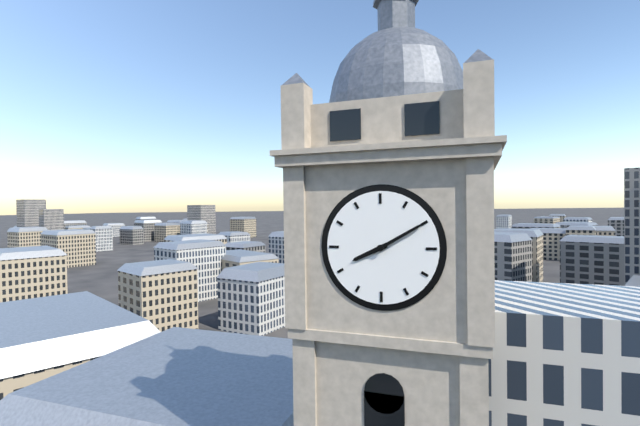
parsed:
8,10
